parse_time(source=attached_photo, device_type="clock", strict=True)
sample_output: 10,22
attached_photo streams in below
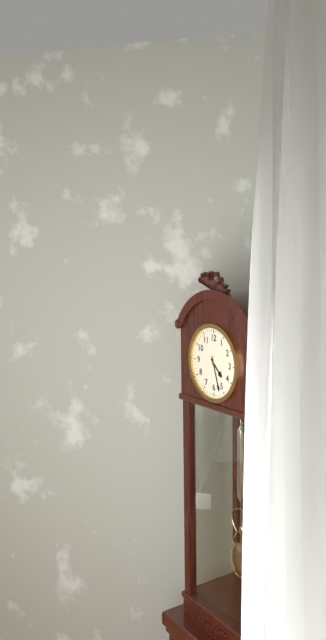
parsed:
4,27
